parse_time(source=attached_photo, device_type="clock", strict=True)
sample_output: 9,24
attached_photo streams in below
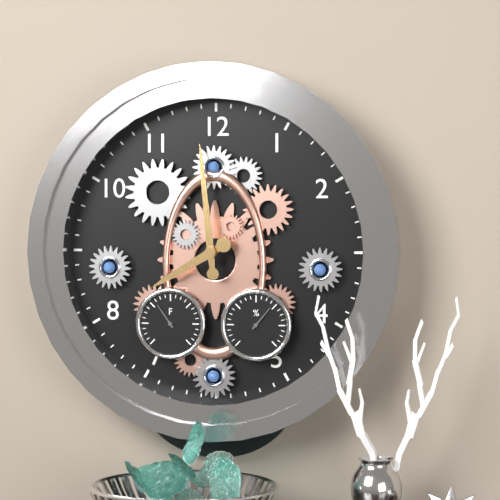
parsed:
7,59
